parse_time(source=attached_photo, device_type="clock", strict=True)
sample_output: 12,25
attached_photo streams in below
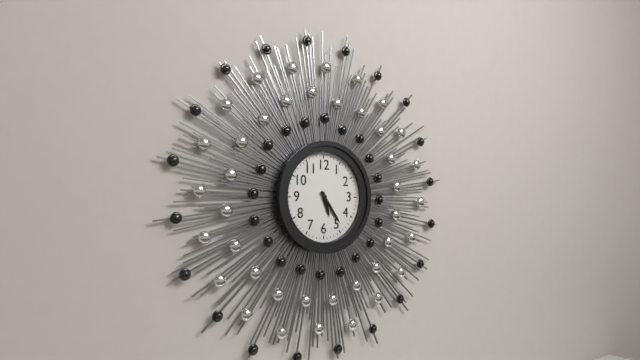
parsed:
5,24
